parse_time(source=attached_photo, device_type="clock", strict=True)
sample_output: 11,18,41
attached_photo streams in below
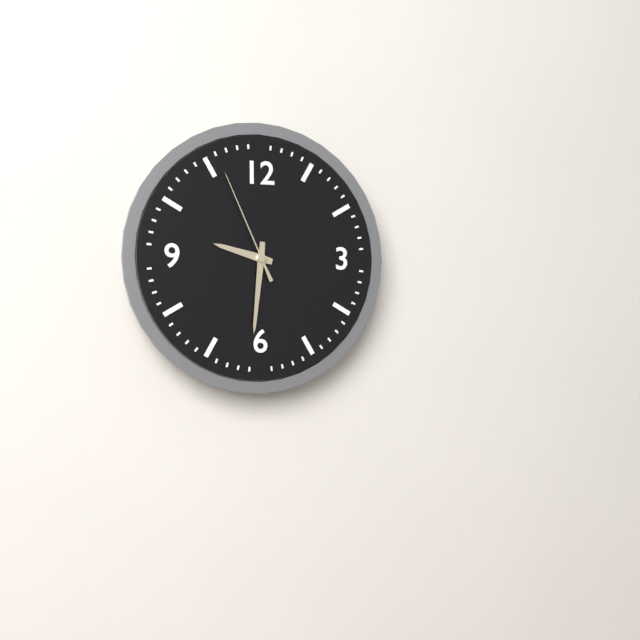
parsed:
9,31,56
